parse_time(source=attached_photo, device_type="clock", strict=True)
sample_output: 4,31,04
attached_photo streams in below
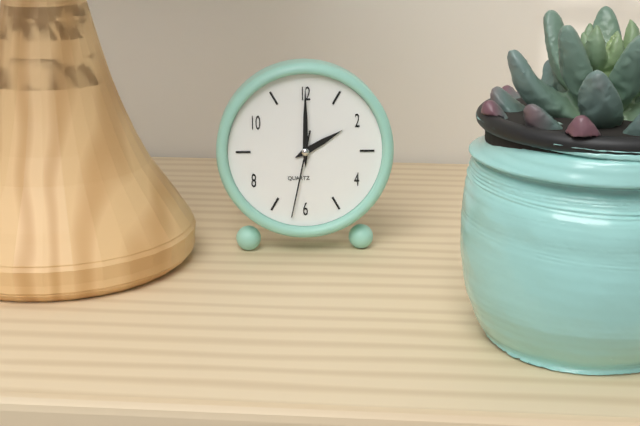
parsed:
2,00,32
